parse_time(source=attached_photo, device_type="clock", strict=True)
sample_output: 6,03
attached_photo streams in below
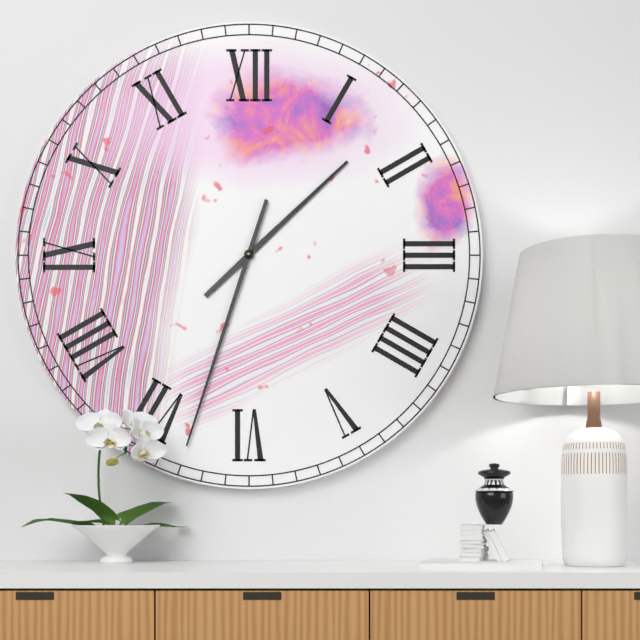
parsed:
1,33
